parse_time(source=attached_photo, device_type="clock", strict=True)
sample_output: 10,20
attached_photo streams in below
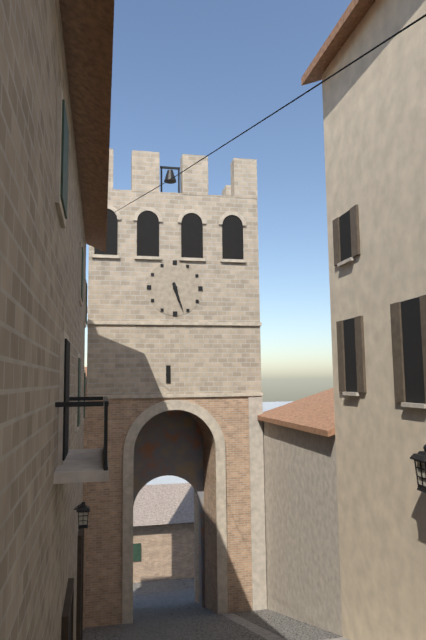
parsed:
5,27
